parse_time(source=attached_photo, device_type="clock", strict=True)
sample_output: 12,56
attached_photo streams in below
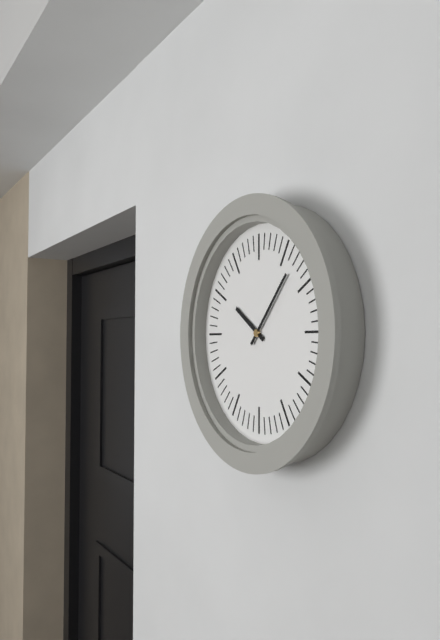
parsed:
10,07
